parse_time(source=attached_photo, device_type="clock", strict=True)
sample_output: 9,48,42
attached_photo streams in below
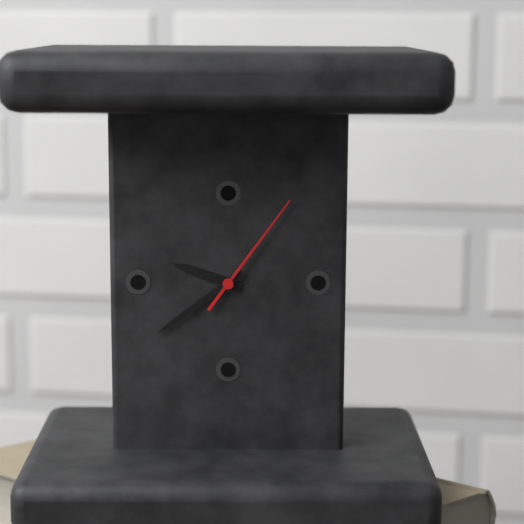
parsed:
9,39,06
